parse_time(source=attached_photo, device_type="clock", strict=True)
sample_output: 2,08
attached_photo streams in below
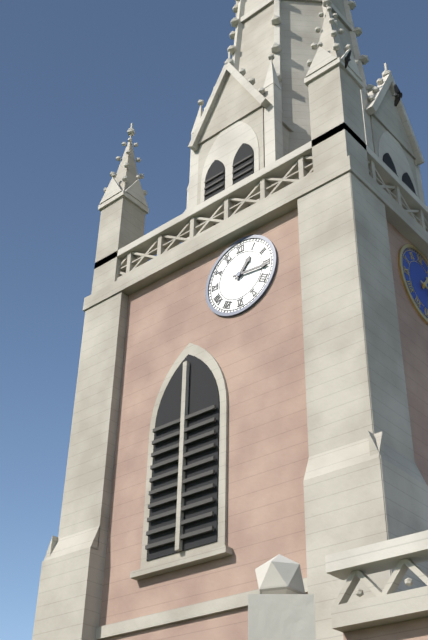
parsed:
1,16
